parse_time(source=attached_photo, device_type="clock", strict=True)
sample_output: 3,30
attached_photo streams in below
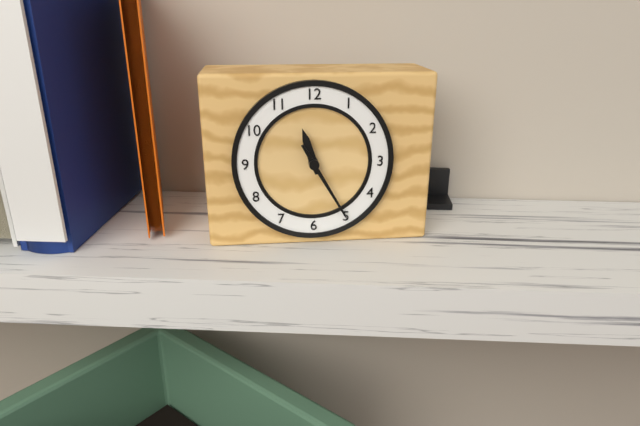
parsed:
11,25
